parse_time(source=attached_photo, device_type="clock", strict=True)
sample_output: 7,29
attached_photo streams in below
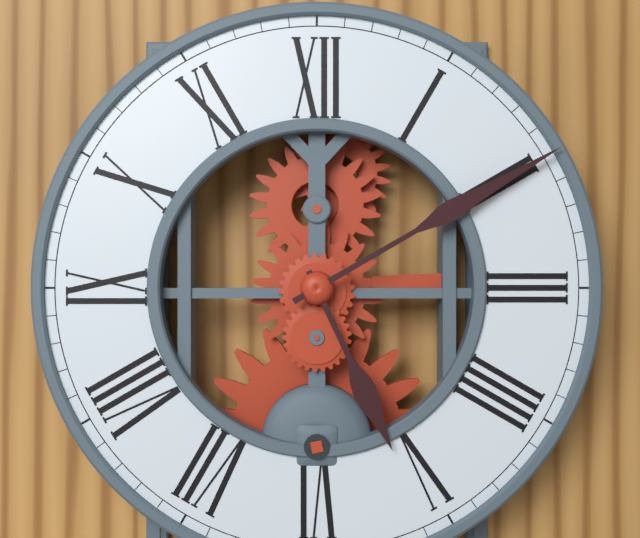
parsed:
5,10
